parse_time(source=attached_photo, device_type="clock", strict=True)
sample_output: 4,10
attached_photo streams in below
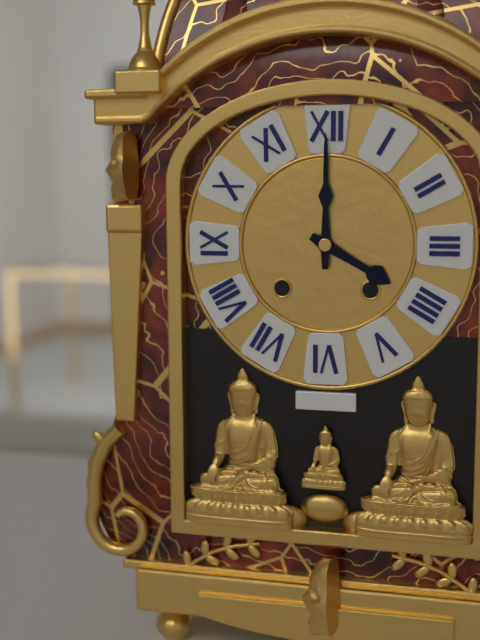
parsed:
4,00
